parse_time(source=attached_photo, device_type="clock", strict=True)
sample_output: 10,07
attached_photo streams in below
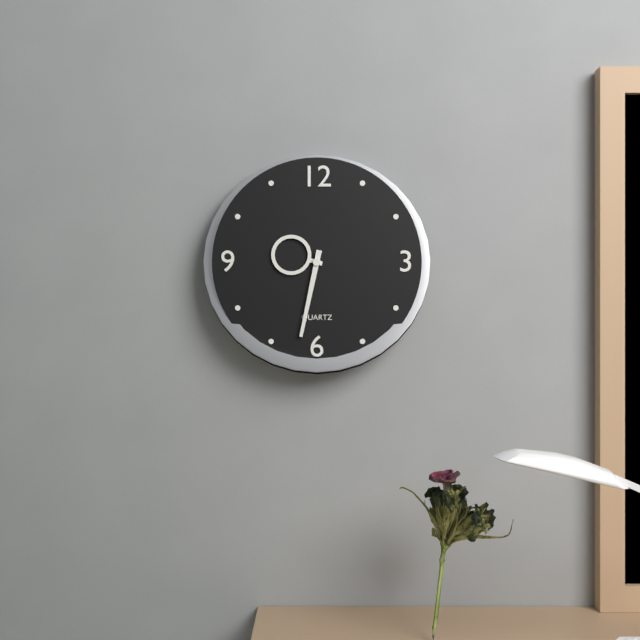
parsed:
9,32
